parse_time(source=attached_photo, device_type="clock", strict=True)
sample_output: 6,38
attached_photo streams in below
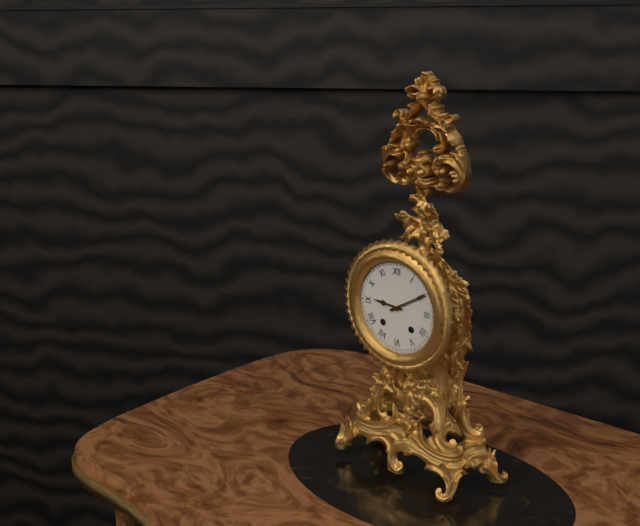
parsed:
9,10
